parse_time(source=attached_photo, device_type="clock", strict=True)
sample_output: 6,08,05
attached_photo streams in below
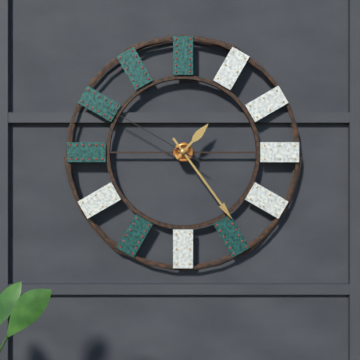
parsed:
1,24,50
